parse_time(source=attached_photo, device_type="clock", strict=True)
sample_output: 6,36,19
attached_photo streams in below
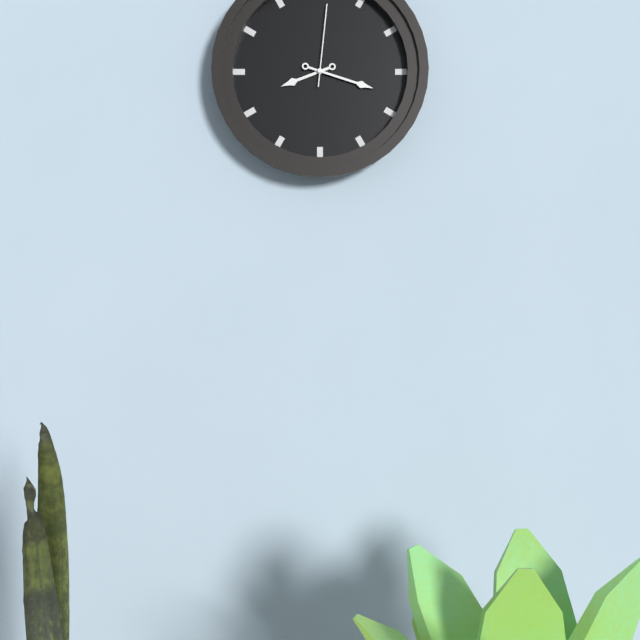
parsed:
8,18,01
